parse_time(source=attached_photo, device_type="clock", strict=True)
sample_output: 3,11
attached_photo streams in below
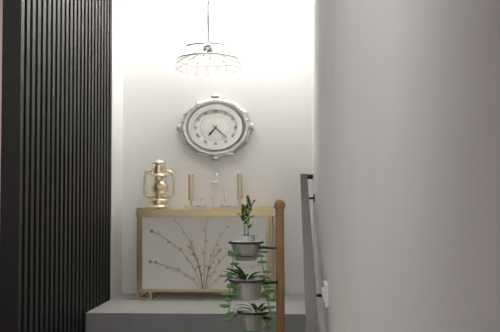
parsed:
7,22
